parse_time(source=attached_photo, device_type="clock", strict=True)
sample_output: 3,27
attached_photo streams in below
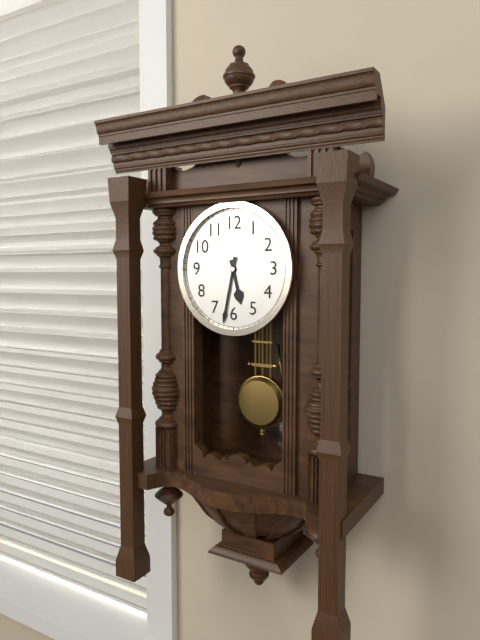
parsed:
5,32
